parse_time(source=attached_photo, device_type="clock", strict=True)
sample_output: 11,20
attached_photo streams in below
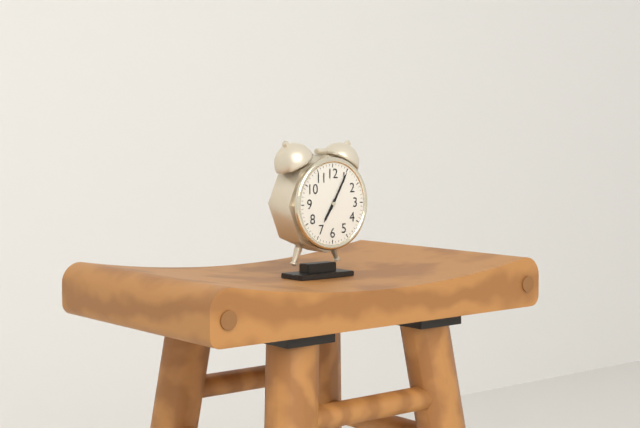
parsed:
7,05
